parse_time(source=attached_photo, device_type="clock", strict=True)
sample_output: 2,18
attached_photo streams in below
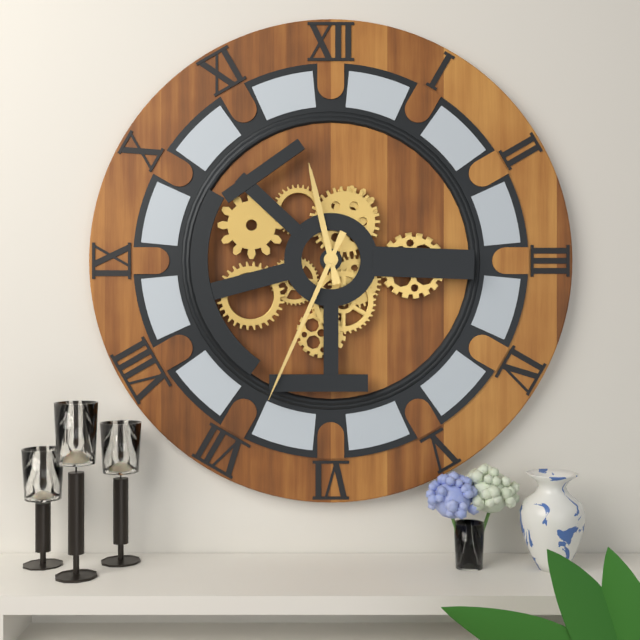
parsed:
11,34
